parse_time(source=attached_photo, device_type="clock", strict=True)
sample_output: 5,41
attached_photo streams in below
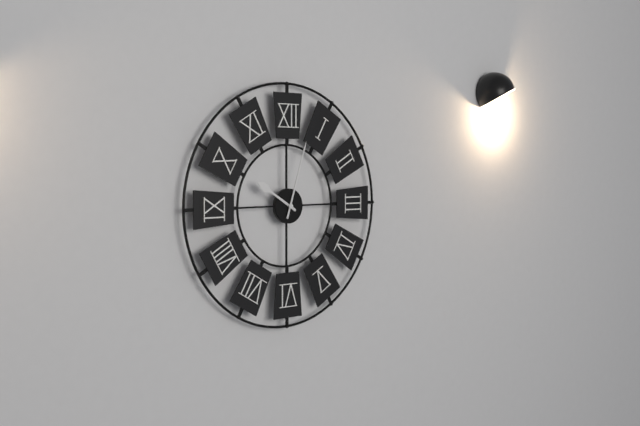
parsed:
10,03
